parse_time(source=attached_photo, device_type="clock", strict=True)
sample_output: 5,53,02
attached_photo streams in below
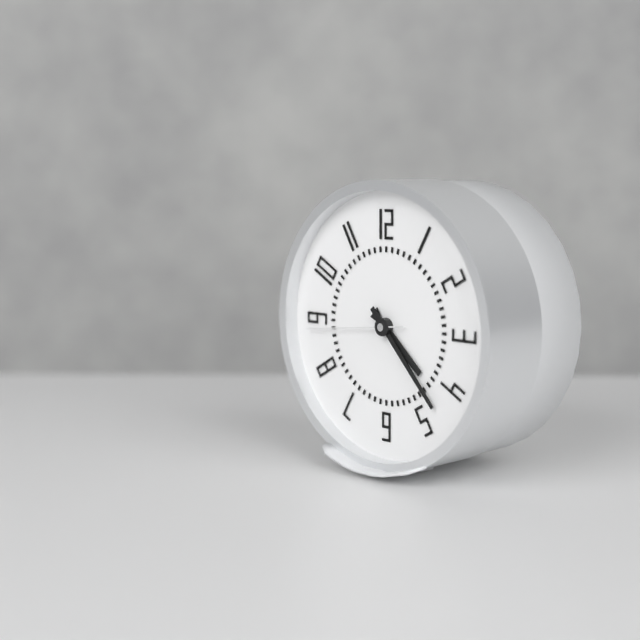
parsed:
4,23,44
